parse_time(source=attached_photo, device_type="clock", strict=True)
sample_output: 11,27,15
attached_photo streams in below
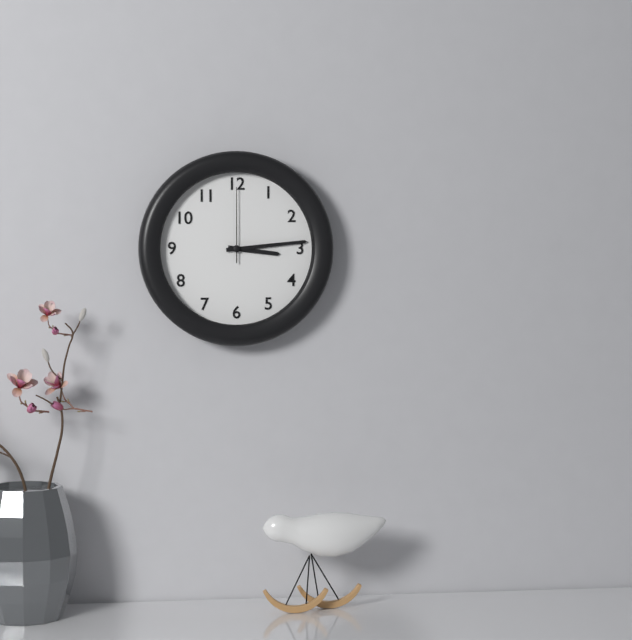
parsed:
3,14,00
